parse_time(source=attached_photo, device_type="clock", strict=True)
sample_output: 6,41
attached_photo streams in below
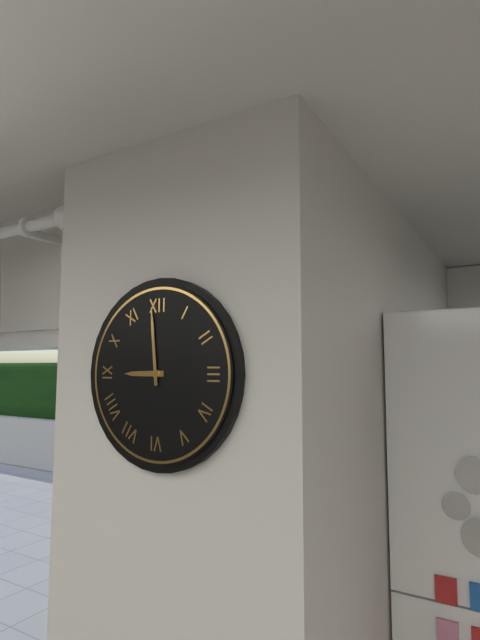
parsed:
8,59
